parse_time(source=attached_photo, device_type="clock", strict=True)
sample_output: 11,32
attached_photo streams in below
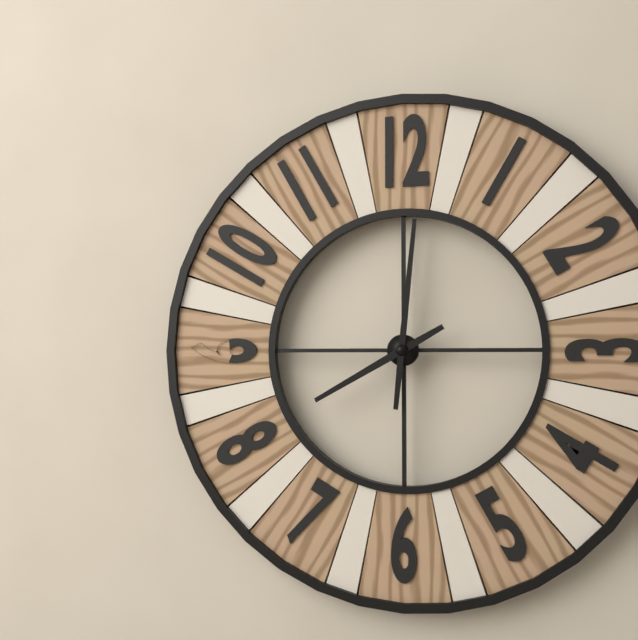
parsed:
8,01
